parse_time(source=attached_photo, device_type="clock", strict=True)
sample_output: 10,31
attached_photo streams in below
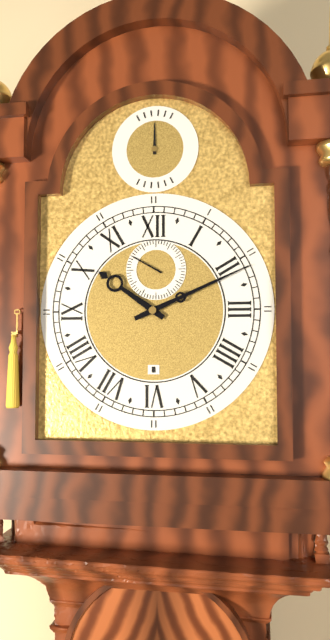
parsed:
10,11
